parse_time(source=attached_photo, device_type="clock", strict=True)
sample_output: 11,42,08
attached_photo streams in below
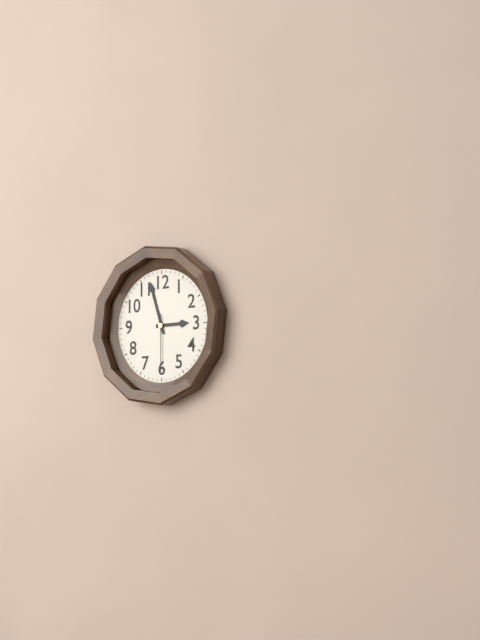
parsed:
2,57,30
